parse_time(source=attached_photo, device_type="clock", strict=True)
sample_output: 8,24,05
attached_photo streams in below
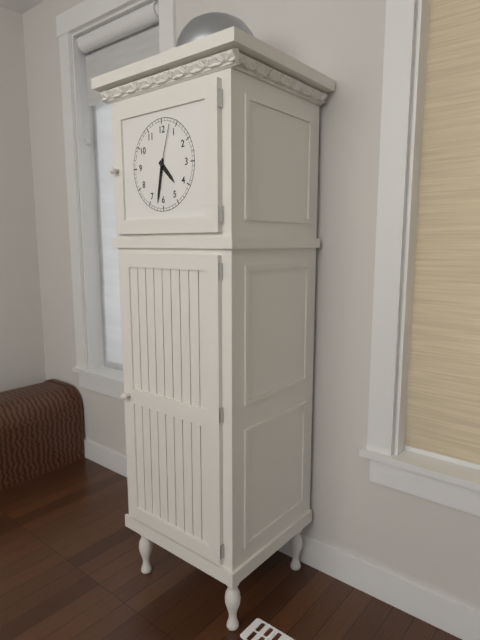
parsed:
4,32,03
